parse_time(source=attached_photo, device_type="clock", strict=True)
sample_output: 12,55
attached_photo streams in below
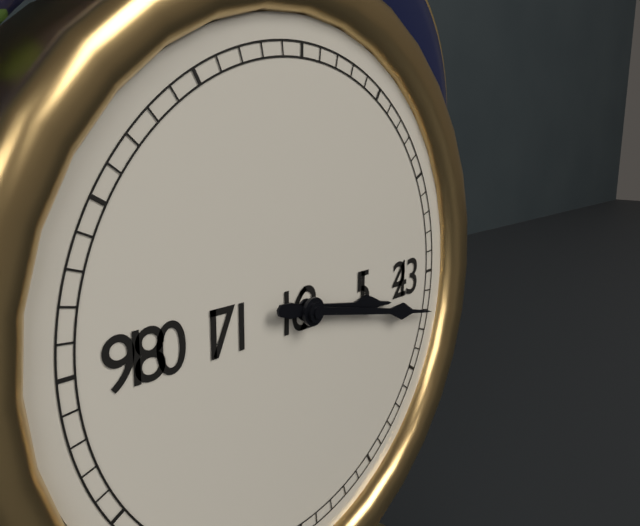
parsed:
3,17
